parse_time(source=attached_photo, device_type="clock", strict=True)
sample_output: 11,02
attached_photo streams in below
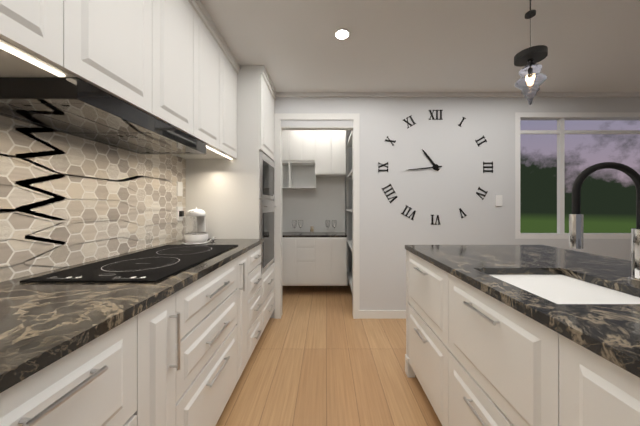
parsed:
10,44
